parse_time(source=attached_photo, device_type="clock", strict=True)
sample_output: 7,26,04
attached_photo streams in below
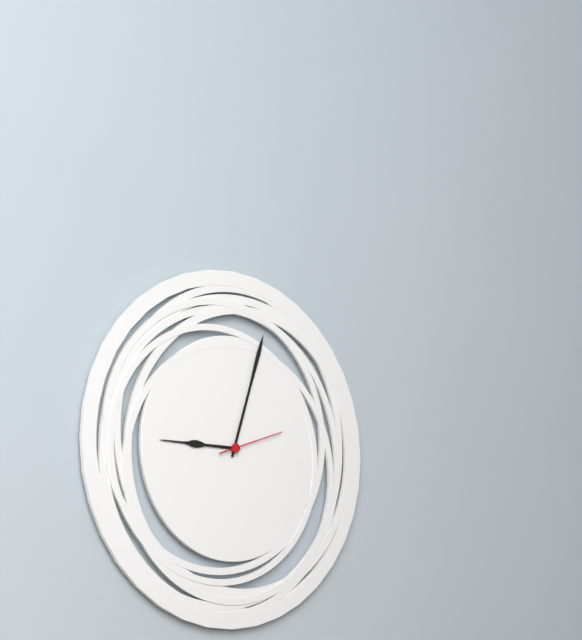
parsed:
9,03,12
